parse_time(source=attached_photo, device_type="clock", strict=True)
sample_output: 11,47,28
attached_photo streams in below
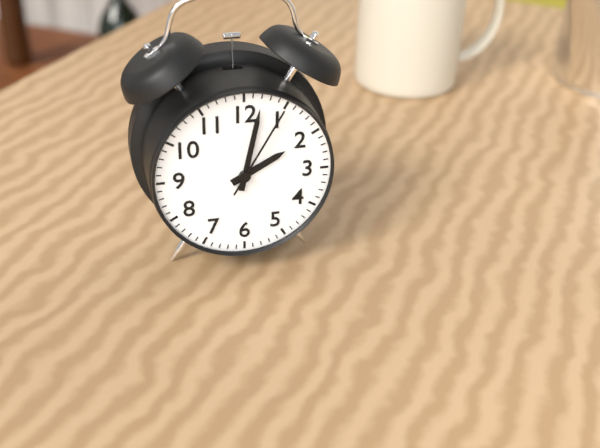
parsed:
2,02,05
